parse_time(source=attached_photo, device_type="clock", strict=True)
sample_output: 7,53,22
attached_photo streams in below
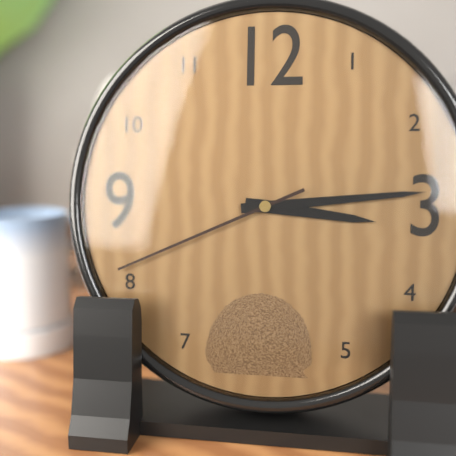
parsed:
3,14,41
